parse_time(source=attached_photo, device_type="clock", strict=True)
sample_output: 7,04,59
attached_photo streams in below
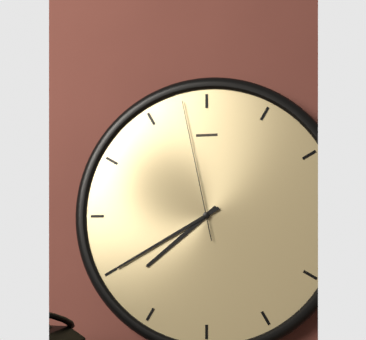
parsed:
7,40,58
